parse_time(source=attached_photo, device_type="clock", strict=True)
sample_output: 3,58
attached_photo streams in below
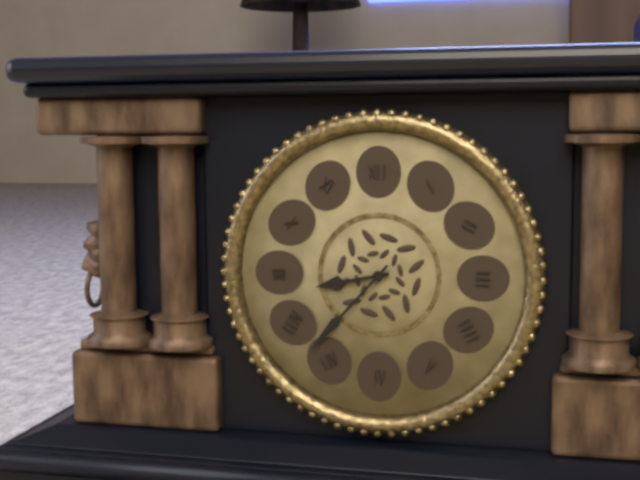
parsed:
8,37
